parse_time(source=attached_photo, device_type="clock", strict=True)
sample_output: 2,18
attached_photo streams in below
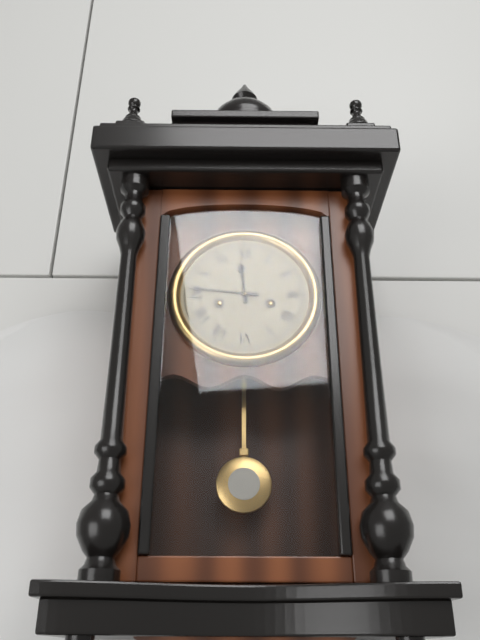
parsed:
11,46
